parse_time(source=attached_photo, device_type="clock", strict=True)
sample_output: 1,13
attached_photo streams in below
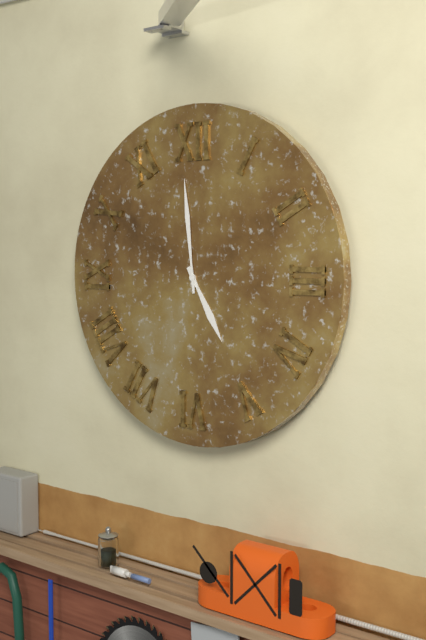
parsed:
4,59
